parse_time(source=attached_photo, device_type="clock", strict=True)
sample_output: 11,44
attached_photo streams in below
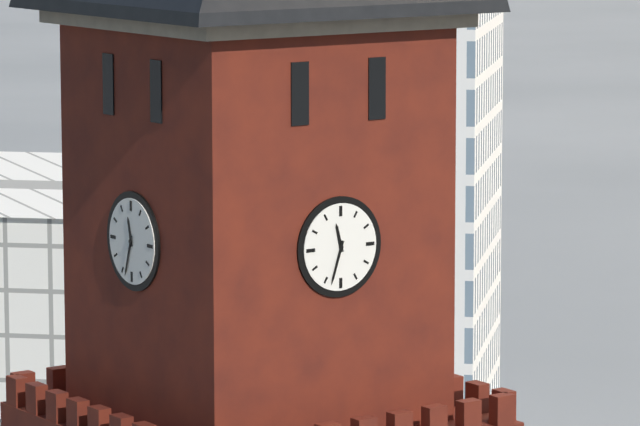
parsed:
11,33
